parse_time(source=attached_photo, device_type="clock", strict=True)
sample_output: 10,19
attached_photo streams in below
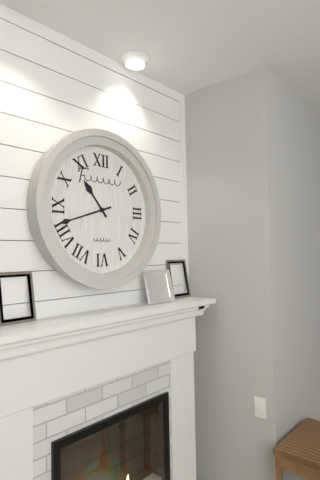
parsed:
10,42
